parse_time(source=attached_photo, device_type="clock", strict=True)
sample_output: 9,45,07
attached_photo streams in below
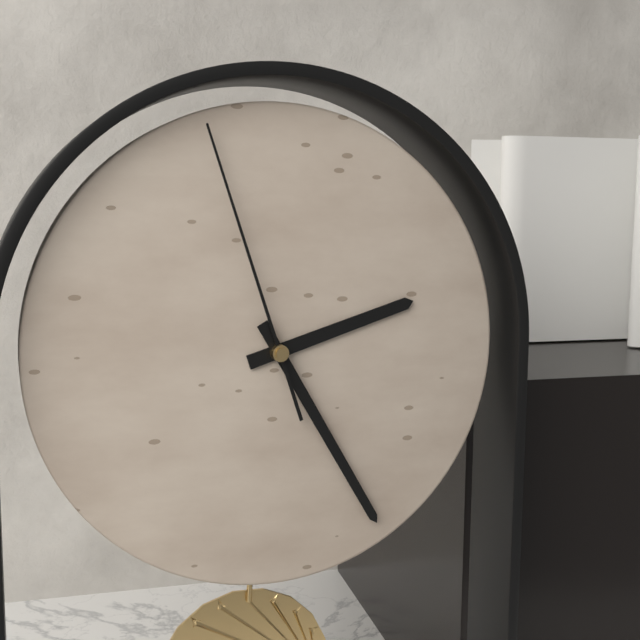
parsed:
2,25,57
